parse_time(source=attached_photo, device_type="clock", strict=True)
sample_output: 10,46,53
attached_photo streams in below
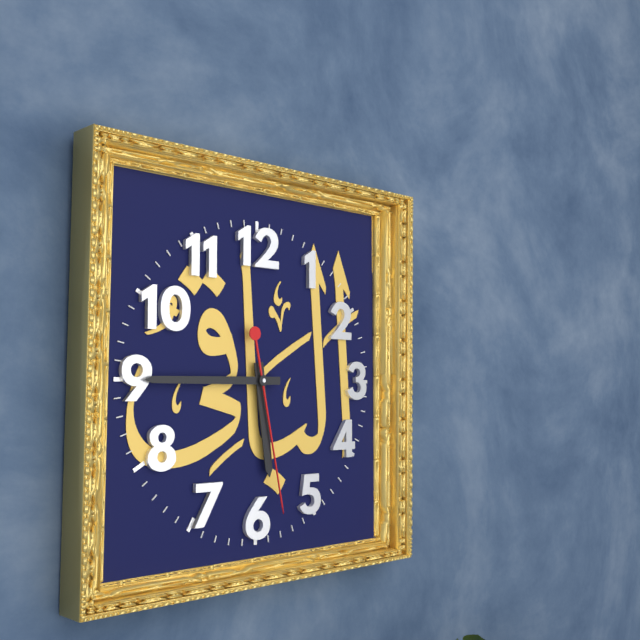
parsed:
5,45,28
